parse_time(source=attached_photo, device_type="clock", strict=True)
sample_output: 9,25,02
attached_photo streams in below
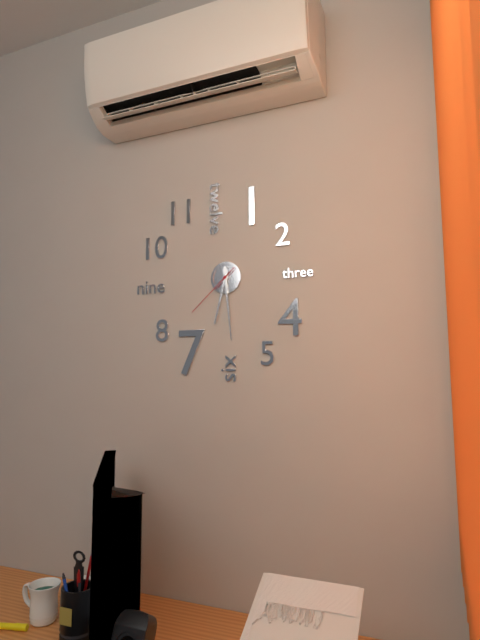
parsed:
6,29,38
